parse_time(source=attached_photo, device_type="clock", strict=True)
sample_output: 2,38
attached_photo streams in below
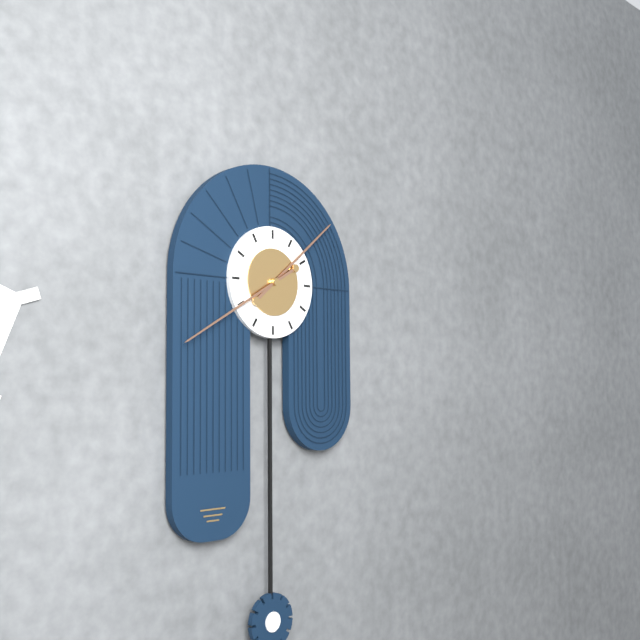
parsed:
1,40
